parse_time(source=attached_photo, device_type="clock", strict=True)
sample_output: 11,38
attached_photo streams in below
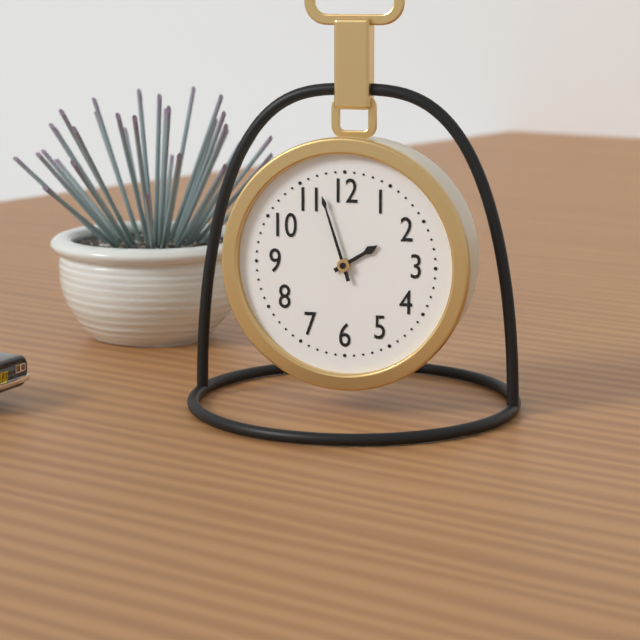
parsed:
1,57
